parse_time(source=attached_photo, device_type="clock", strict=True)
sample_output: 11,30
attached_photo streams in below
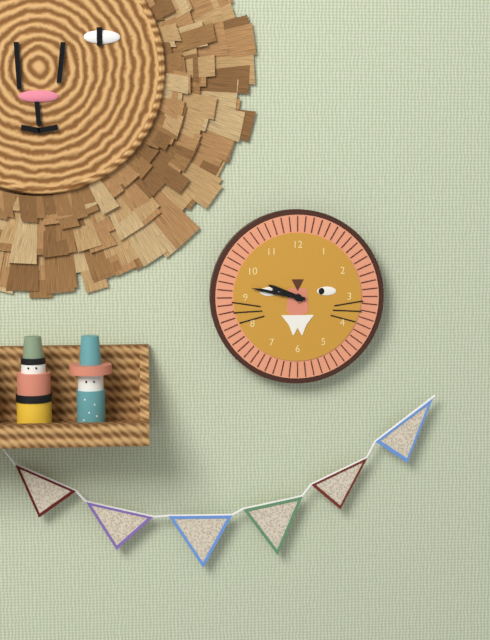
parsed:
9,47
